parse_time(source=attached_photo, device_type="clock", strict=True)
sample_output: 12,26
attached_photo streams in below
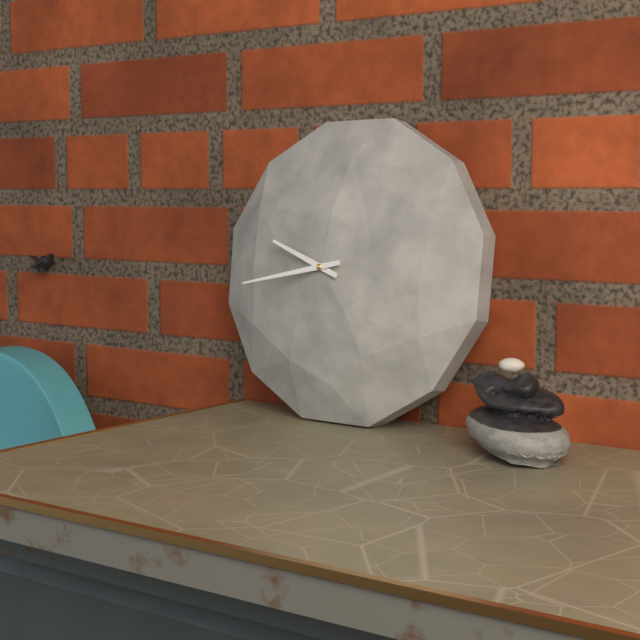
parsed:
9,43
